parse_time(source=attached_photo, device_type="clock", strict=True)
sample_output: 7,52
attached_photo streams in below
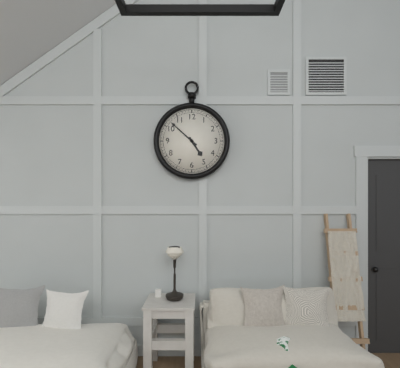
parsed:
4,52
